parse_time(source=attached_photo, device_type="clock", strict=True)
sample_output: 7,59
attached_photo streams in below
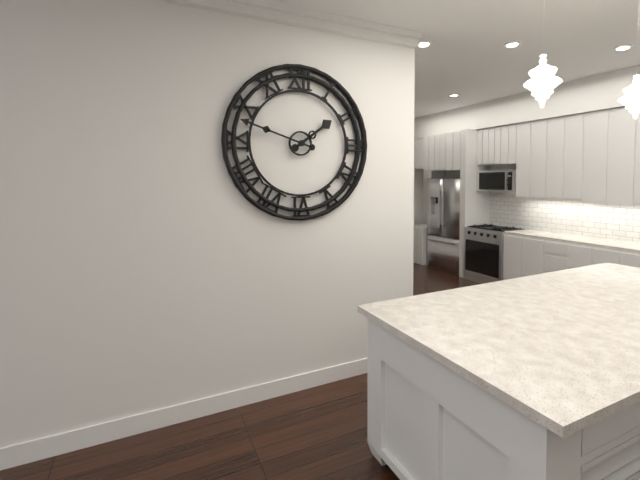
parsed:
1,48
